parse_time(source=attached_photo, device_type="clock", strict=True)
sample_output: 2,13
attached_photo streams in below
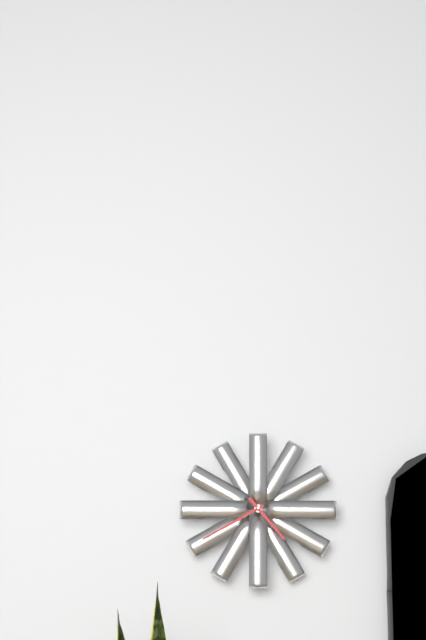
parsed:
4,40
